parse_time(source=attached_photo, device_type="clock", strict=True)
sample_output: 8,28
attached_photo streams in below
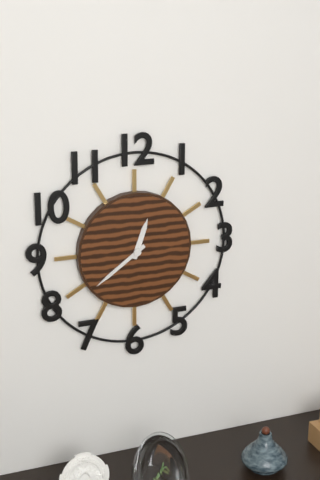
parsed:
12,39
